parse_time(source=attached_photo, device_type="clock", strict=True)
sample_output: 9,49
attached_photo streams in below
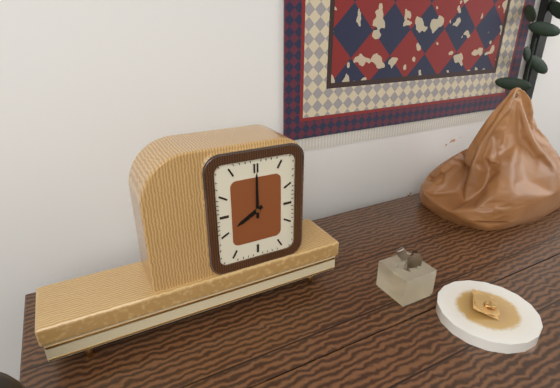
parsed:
8,00
